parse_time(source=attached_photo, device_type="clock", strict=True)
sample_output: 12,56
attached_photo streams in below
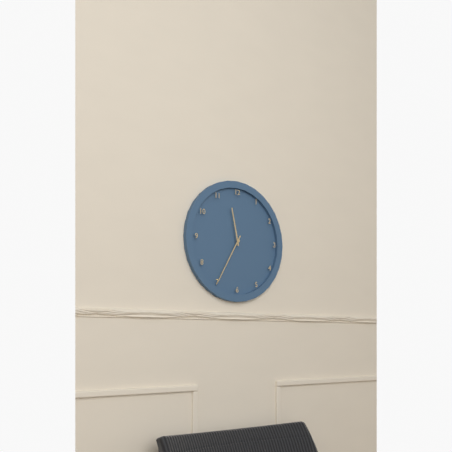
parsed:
11,35
